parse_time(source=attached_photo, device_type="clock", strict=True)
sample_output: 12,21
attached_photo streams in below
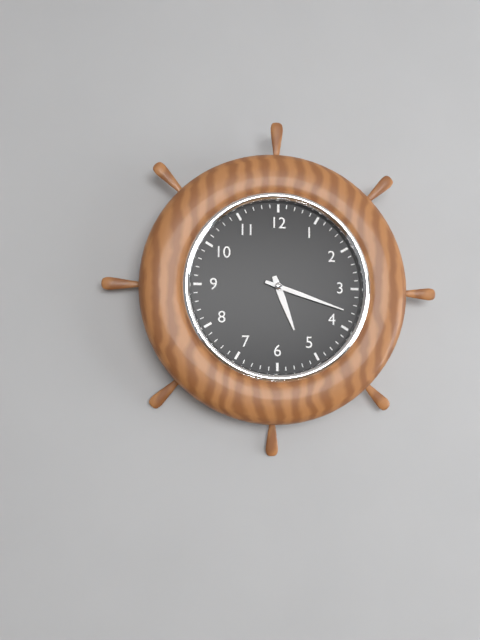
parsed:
5,18
